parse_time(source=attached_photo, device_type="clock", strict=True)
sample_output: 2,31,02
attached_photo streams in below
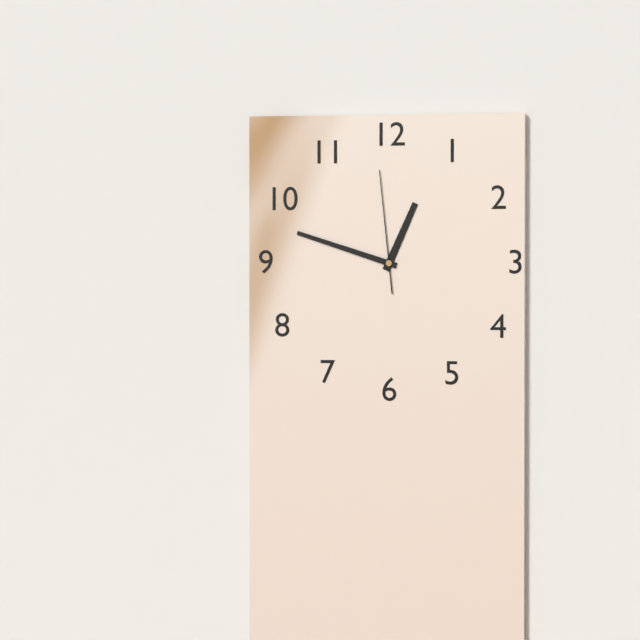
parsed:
12,48,59
